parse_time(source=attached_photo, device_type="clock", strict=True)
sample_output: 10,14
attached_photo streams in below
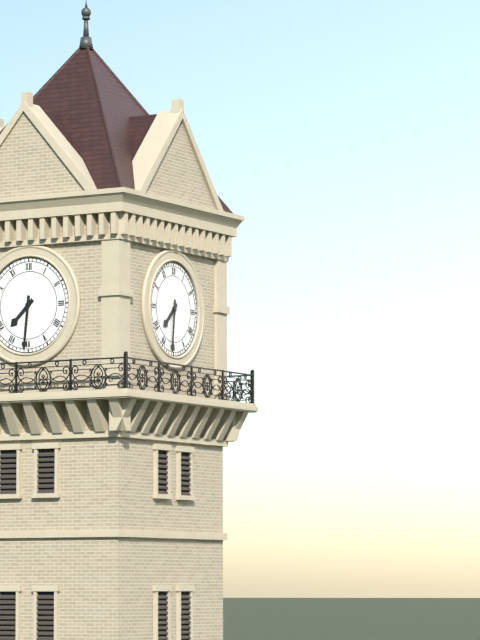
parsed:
7,31
